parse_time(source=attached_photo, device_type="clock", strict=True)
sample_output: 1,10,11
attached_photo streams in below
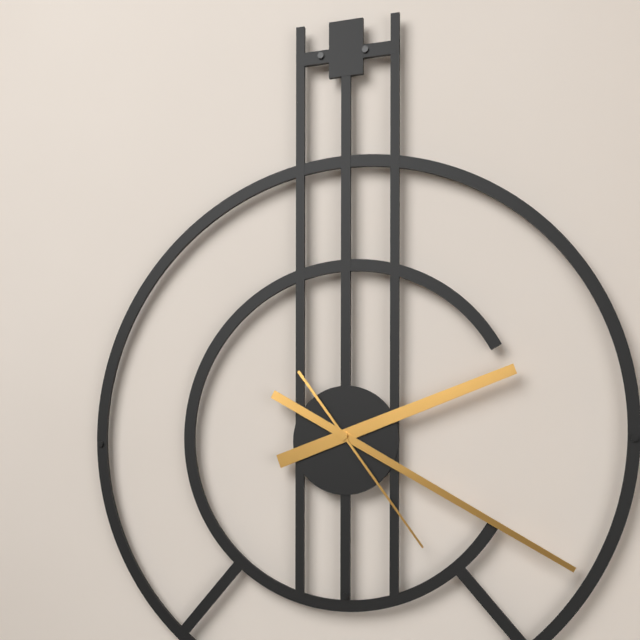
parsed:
2,20,24
